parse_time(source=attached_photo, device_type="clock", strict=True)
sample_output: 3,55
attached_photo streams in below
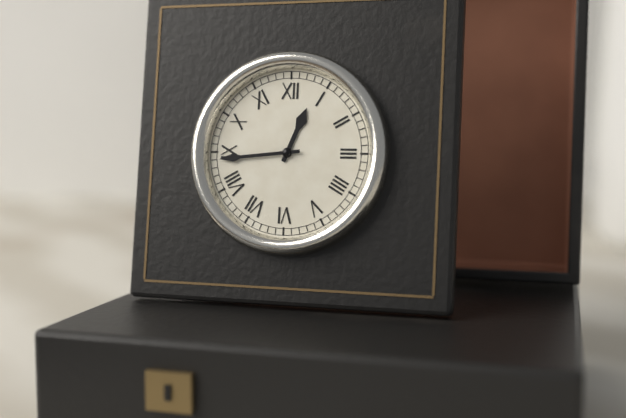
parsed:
12,44
